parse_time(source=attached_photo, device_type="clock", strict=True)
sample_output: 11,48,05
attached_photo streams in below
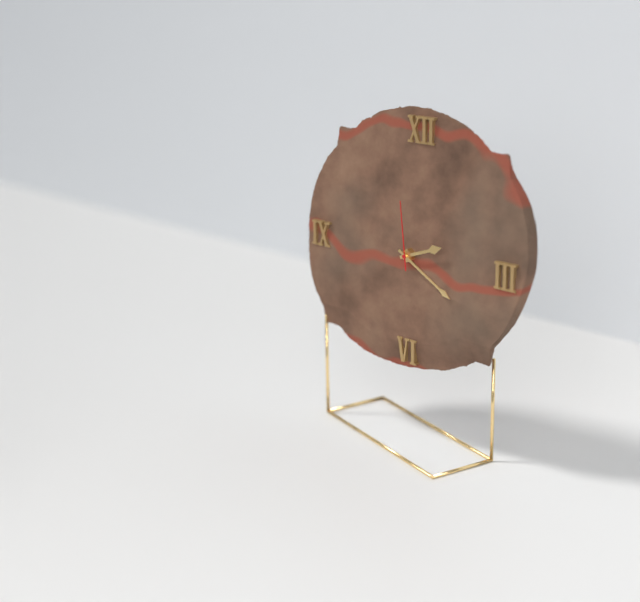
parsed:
2,20,59
